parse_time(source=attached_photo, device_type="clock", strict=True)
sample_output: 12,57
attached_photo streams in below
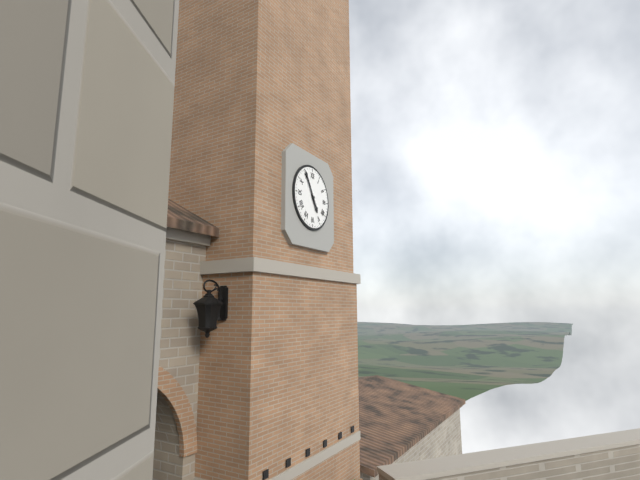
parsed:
4,55
